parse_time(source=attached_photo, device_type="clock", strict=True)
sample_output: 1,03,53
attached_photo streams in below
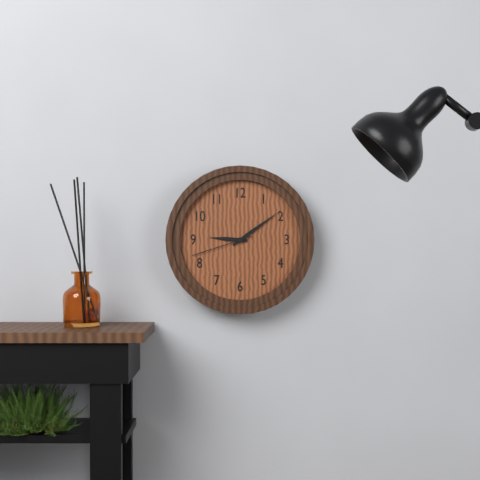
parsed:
9,09,42
